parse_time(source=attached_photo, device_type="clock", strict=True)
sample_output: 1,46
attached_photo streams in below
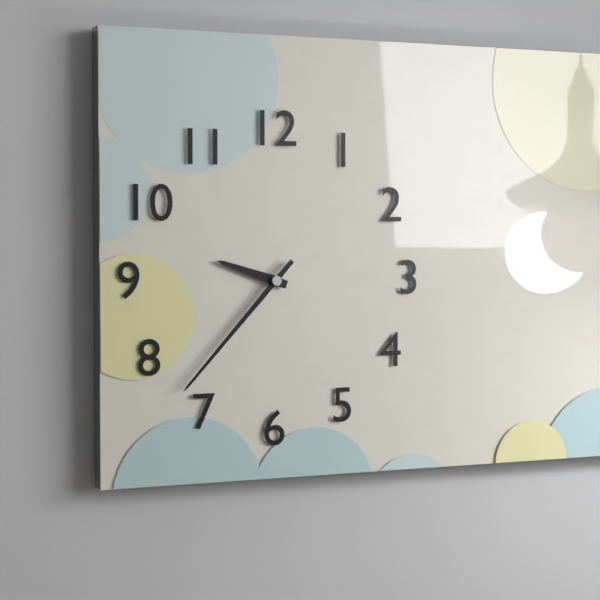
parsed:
9,37
